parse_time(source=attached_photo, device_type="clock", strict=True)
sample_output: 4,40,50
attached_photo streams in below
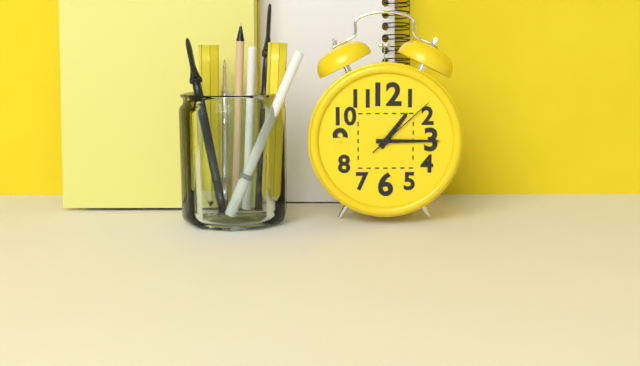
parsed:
1,15,08
